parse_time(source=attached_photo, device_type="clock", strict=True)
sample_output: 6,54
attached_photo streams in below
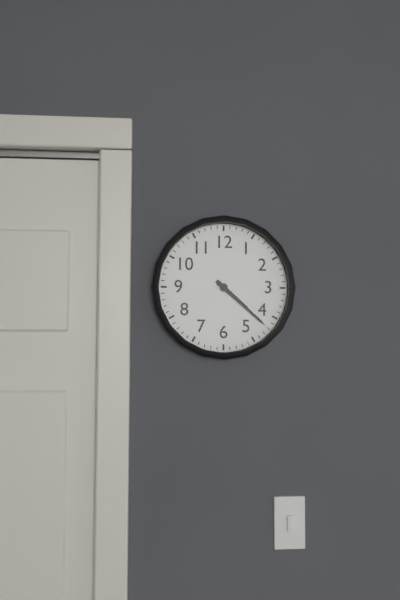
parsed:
4,22
